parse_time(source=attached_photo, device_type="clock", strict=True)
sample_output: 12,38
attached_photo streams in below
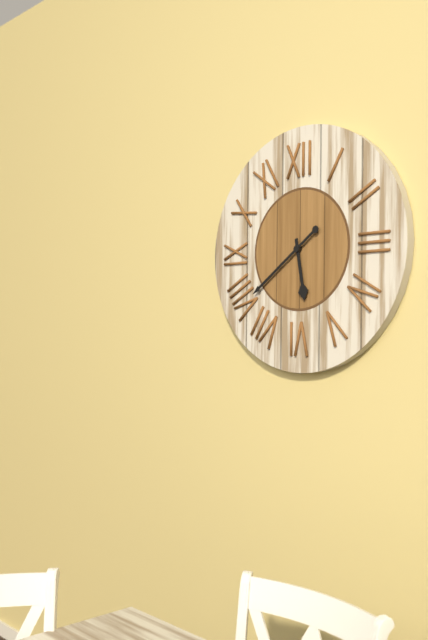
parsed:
5,39
